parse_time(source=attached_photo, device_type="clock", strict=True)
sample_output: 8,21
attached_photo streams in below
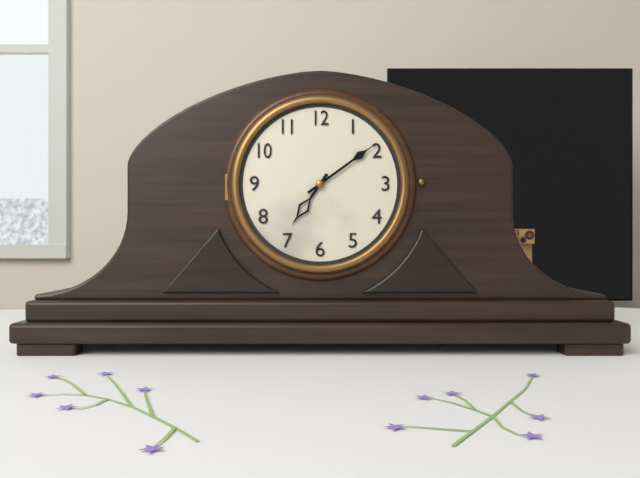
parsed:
7,09
